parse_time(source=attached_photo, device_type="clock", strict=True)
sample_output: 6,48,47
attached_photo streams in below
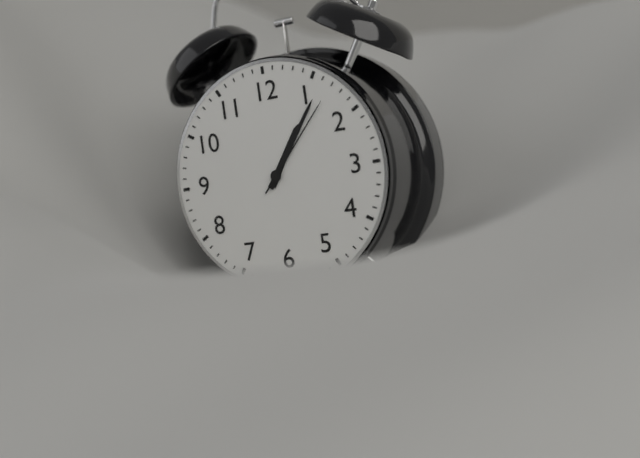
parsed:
1,06,07
